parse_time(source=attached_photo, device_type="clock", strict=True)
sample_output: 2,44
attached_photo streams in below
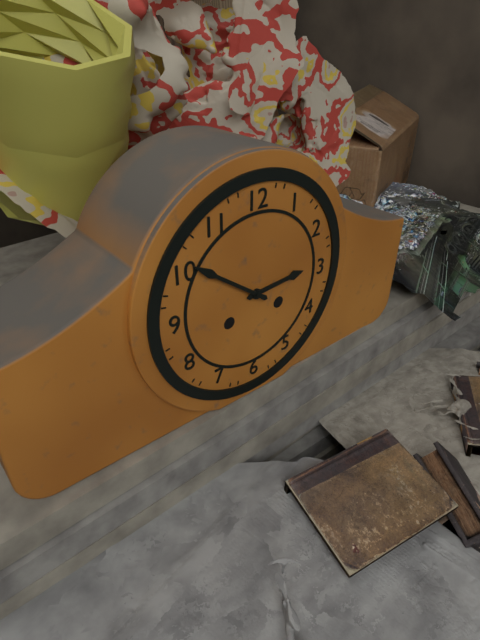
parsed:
2,51
